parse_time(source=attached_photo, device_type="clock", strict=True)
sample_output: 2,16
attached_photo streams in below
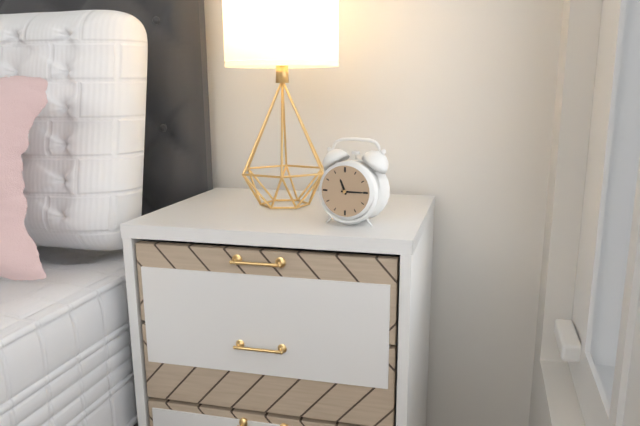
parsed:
11,15
